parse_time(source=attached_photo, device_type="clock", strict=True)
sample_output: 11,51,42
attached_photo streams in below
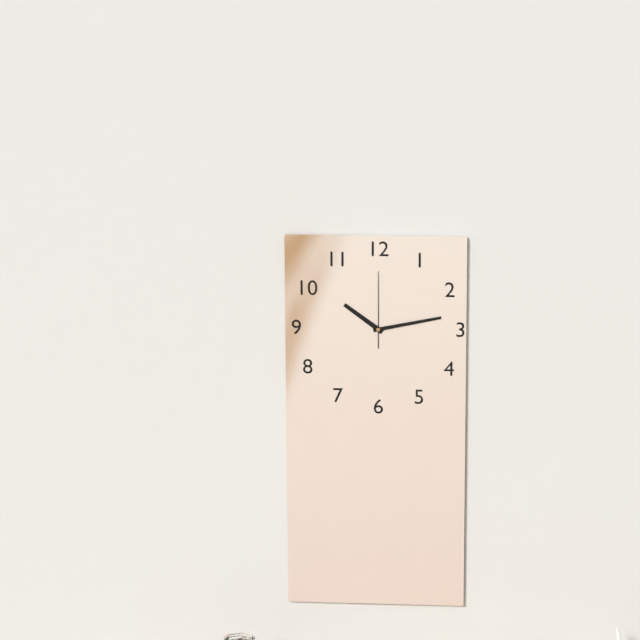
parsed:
10,13,00
